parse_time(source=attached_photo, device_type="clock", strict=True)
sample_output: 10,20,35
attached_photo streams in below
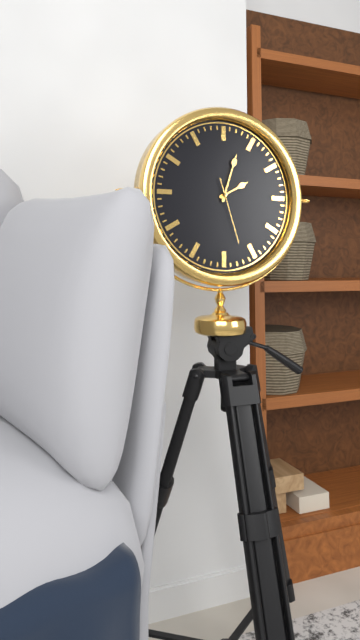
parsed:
2,03,27
